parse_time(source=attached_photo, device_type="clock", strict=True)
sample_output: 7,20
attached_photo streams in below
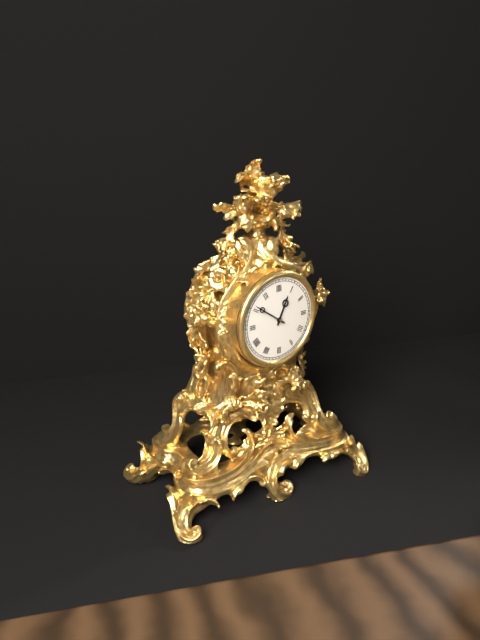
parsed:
12,51
